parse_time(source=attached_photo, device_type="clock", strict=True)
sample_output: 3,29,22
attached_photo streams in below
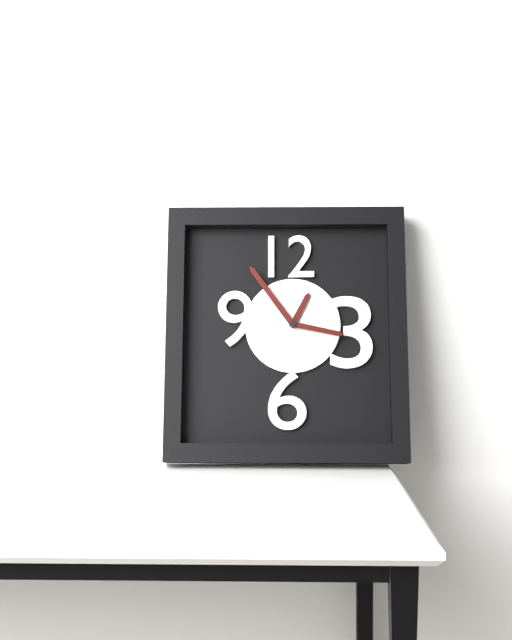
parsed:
12,54,17
